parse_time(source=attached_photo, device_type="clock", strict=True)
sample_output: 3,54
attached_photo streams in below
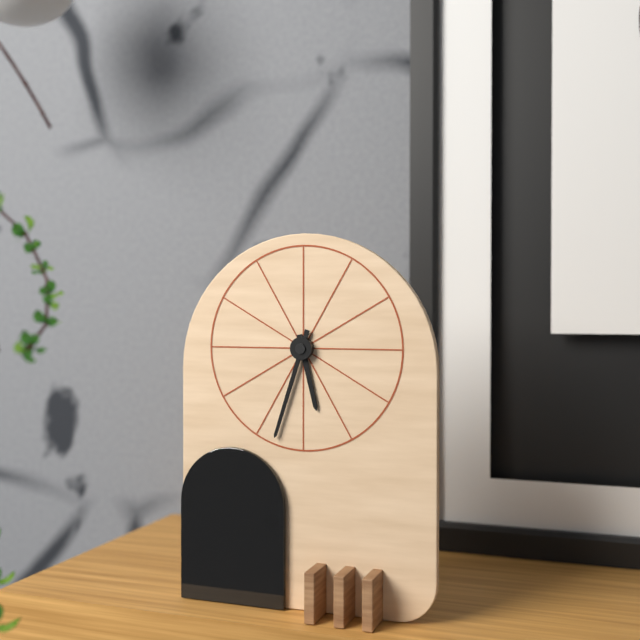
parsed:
5,33
